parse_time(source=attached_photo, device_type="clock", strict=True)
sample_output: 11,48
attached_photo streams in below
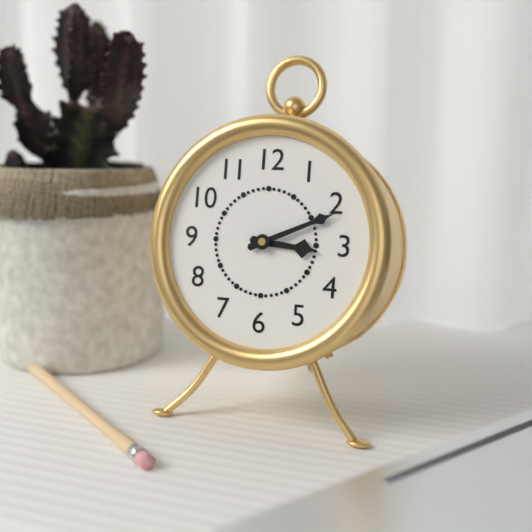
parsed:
3,11
